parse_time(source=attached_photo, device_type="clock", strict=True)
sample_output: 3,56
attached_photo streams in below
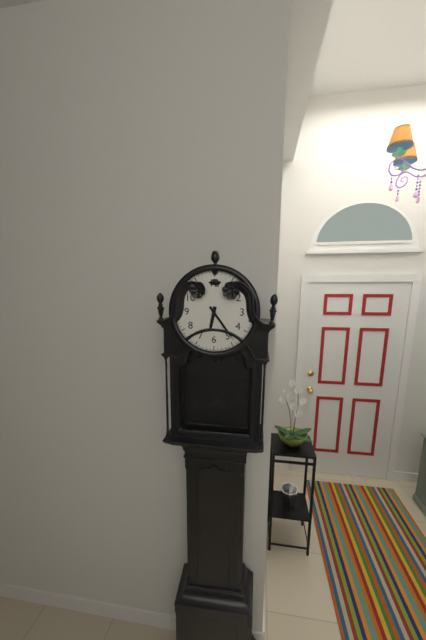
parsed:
6,24
